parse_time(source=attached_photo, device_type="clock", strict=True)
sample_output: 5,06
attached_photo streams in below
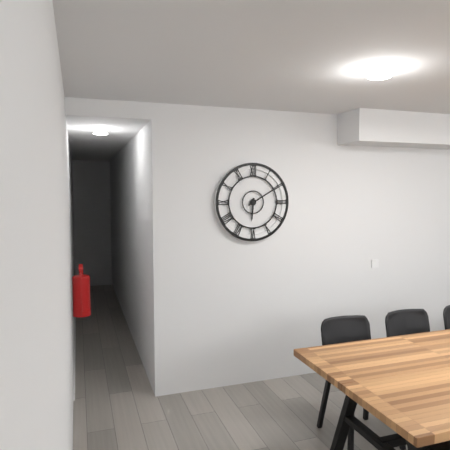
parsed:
6,10
